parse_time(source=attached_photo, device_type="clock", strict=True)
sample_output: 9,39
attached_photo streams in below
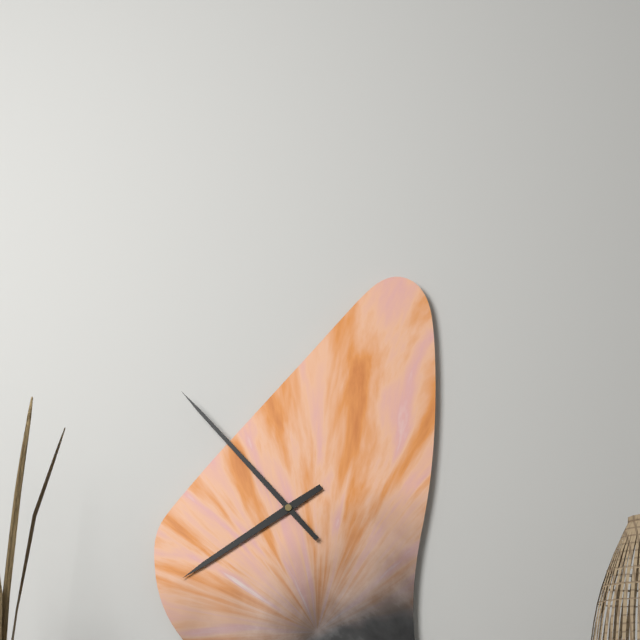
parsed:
7,53
